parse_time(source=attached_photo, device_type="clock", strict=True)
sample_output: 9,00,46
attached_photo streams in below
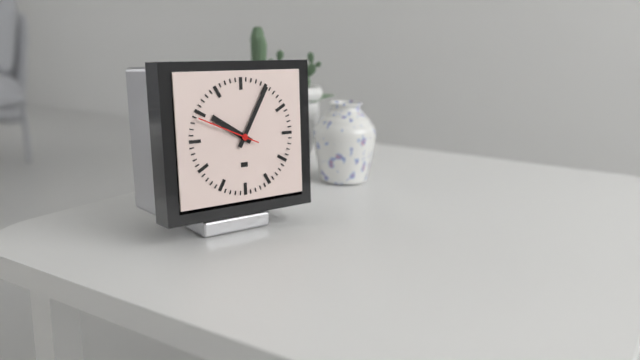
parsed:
10,05,49
